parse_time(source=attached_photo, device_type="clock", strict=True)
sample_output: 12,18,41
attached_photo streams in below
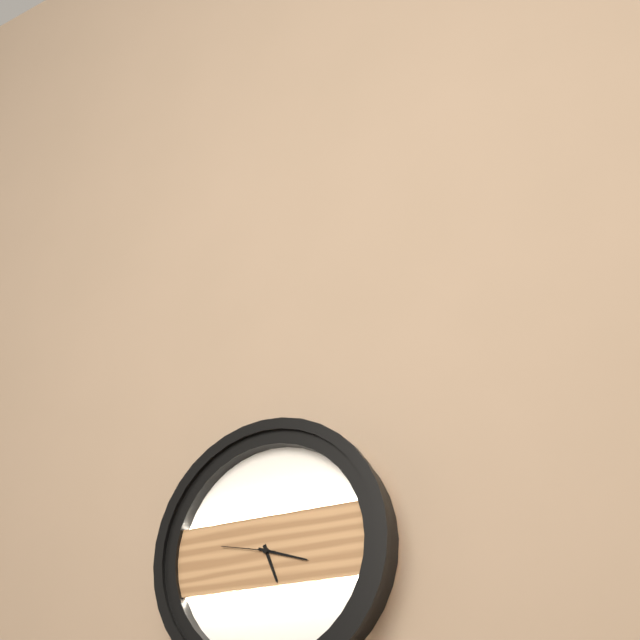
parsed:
5,18,47
